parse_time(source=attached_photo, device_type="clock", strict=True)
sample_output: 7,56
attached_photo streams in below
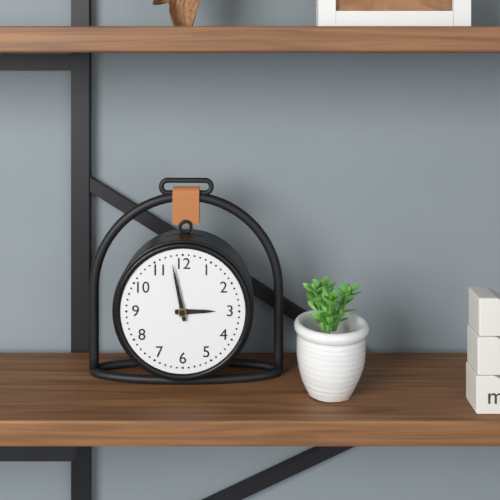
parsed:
2,58
